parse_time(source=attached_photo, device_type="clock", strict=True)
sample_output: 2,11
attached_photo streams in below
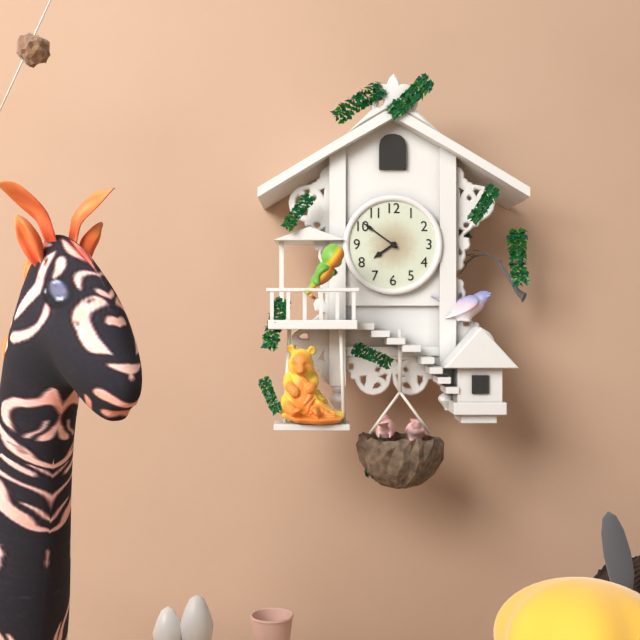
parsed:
7,51
